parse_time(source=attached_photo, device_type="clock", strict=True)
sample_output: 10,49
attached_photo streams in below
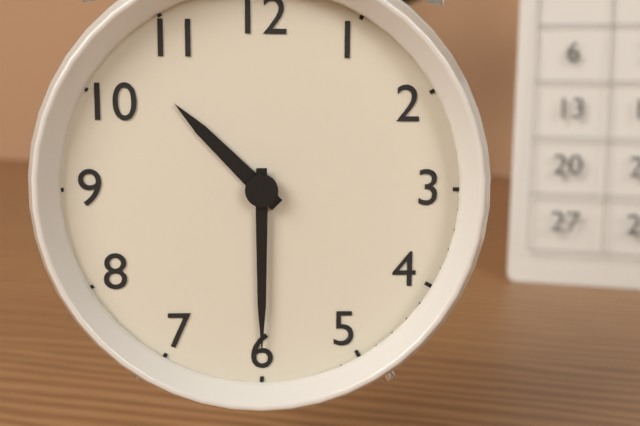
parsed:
10,30
